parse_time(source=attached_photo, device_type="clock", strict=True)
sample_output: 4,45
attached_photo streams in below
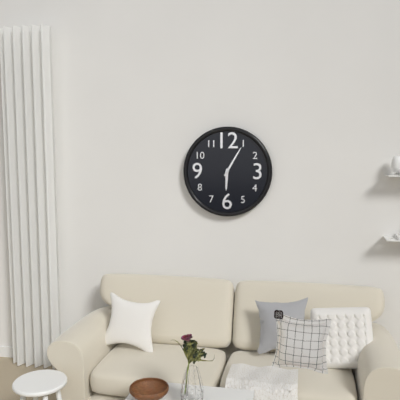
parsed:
6,05
